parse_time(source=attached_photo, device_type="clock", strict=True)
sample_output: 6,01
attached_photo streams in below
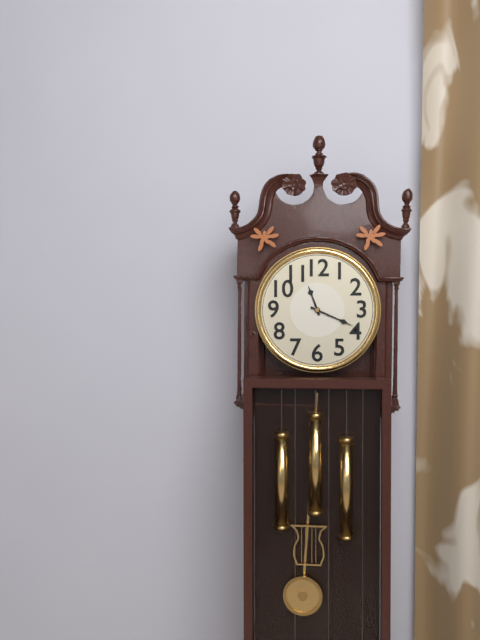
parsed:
11,19
